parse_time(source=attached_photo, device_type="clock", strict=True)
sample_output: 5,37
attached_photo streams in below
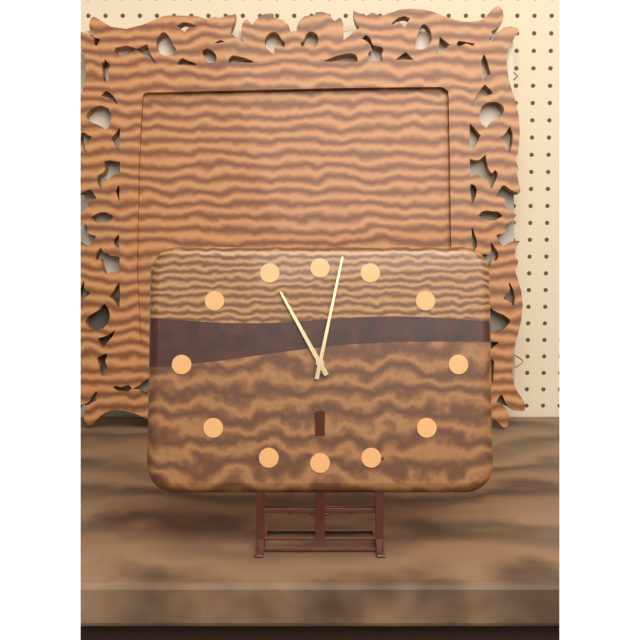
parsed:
11,02
